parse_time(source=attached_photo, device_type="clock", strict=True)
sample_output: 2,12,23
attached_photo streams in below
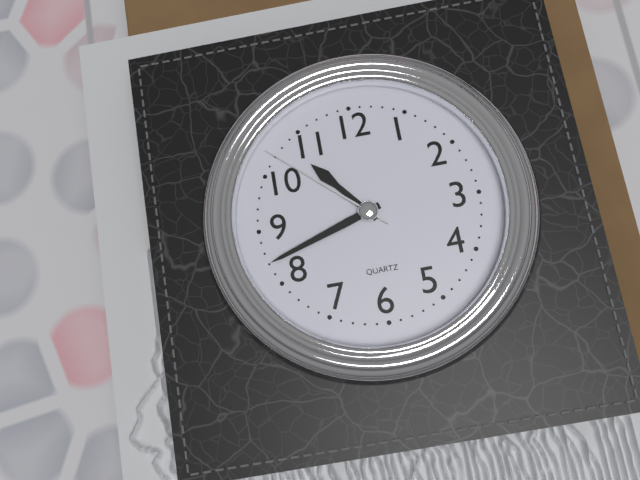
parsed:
10,42,52
